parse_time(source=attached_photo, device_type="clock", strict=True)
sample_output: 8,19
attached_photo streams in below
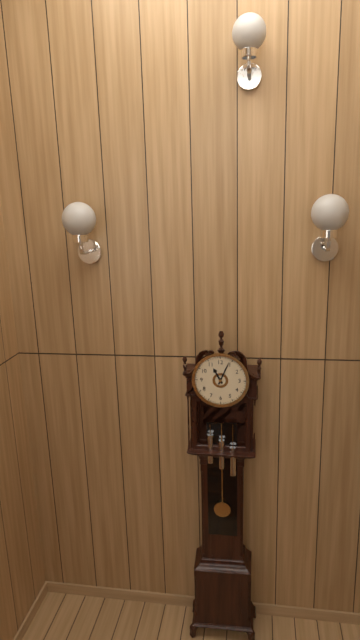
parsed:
11,04
